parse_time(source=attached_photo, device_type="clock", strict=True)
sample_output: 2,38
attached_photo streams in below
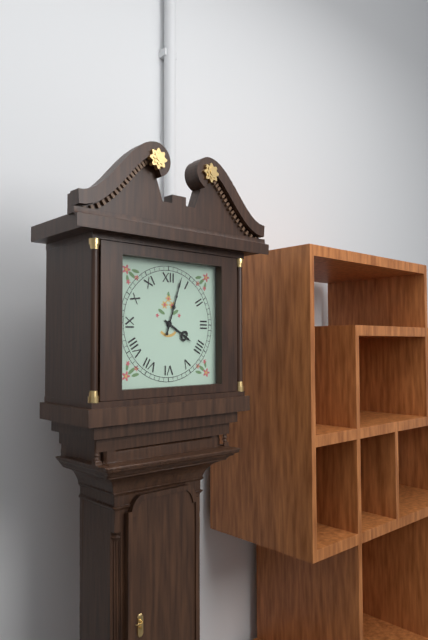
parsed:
4,03
